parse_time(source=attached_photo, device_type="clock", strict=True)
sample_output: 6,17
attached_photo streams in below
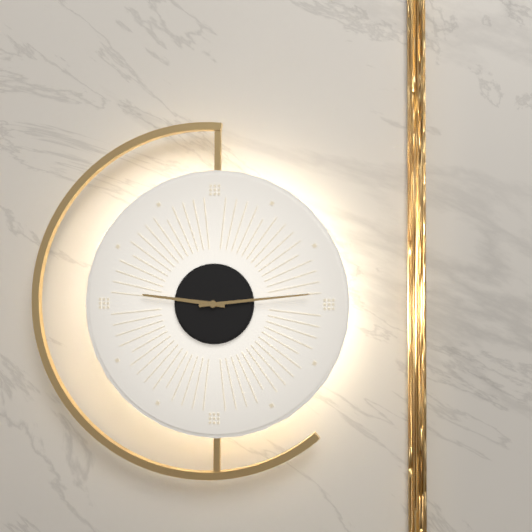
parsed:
9,14
